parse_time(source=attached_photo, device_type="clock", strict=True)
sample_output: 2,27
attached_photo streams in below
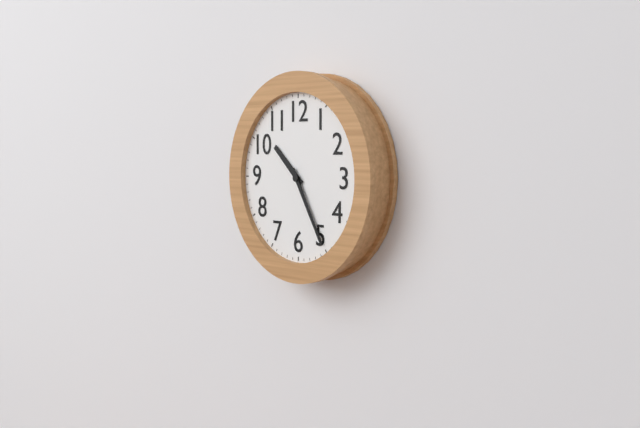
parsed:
10,25
